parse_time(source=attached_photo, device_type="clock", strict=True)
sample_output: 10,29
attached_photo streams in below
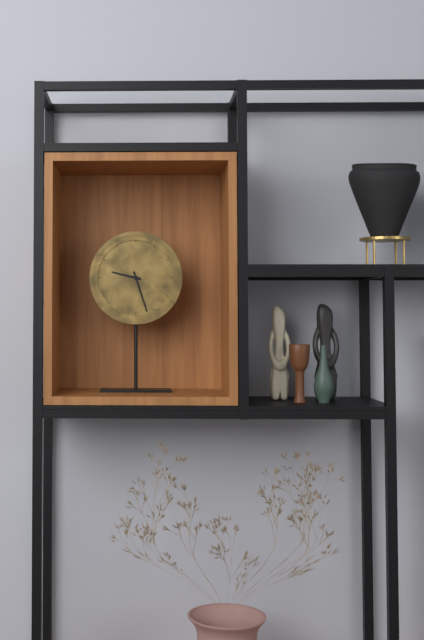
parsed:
9,27
